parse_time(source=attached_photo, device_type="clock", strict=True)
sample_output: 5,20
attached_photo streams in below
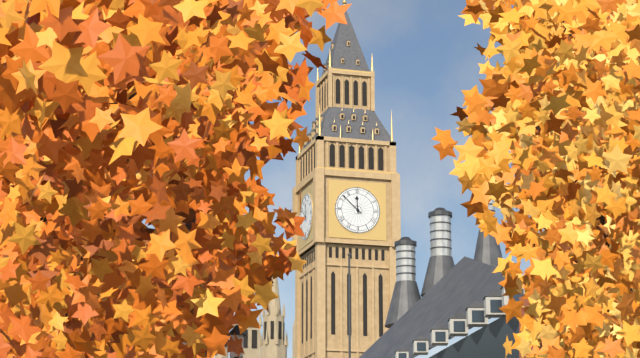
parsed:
11,52
